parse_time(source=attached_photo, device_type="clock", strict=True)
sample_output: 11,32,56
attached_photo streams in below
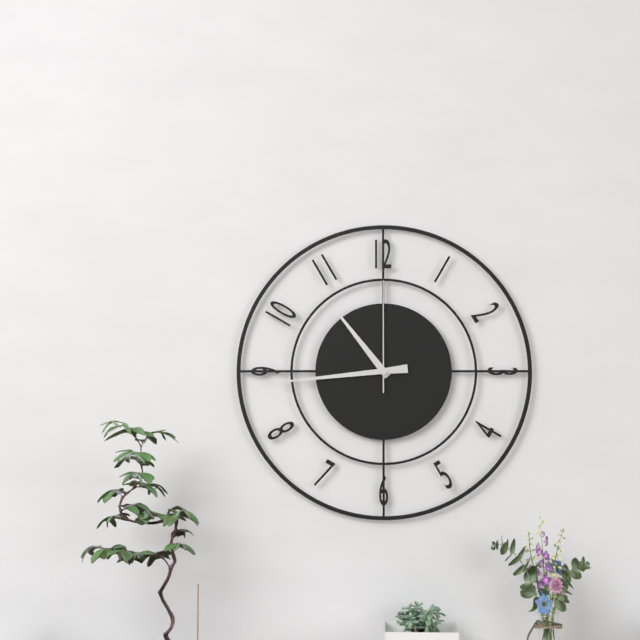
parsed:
10,44,00
